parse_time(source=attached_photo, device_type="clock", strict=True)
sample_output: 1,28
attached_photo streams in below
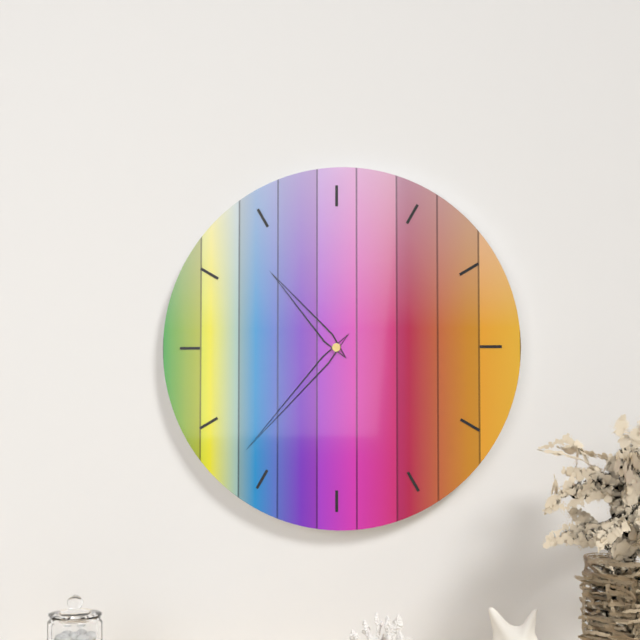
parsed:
10,37
